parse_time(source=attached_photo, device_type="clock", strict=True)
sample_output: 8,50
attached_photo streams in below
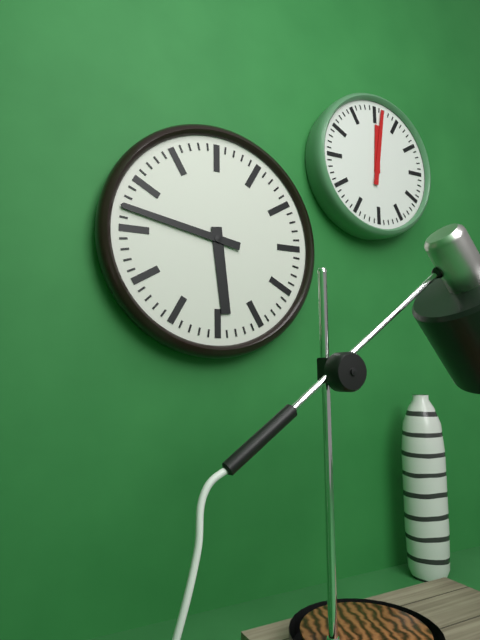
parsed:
5,47
